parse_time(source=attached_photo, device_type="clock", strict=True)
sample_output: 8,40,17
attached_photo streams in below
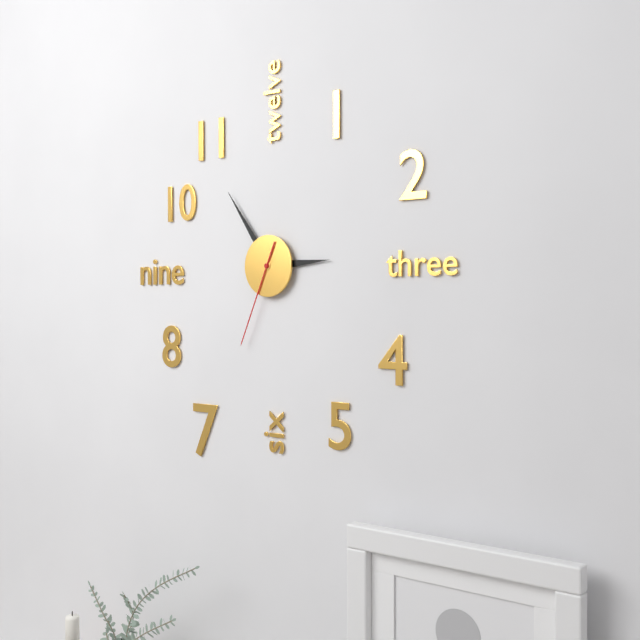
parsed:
2,54,34
